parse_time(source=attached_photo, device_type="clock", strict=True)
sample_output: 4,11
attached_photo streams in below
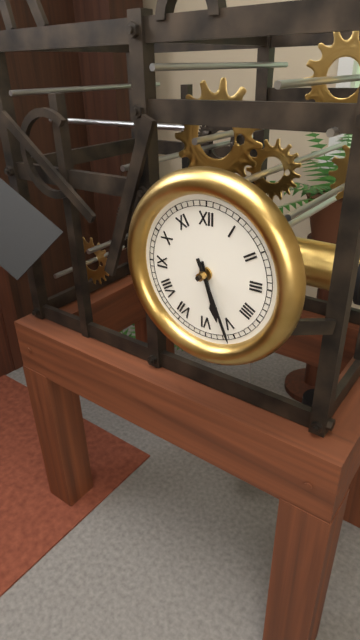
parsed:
5,26
